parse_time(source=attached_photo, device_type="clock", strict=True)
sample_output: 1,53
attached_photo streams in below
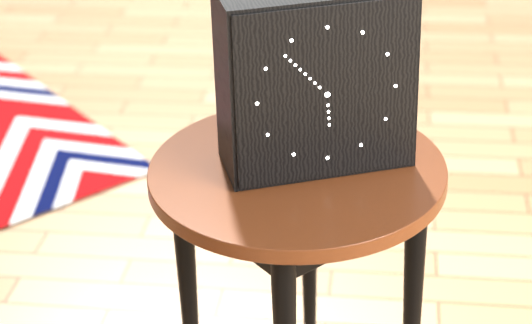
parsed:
5,53
